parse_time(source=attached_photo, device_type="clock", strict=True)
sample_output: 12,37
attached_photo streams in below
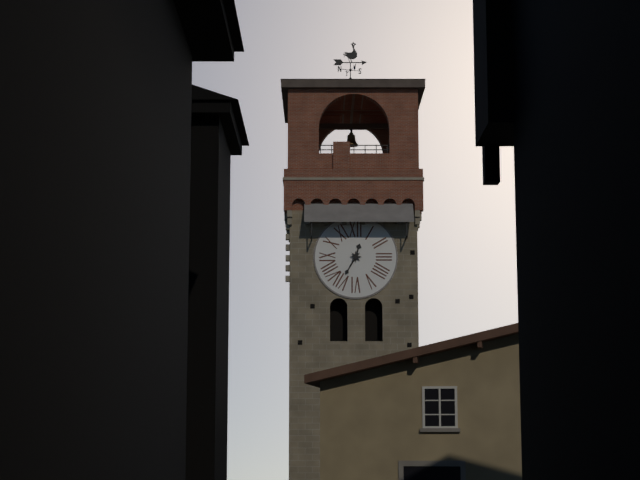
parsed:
12,35
